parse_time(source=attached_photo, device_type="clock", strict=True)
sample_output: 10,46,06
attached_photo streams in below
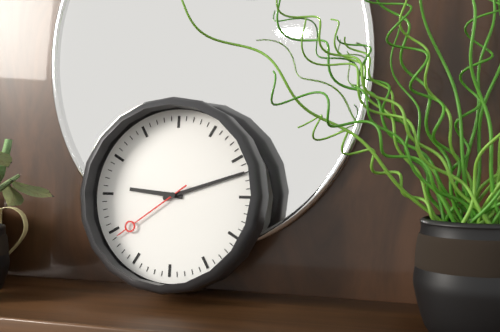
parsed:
9,12,39
